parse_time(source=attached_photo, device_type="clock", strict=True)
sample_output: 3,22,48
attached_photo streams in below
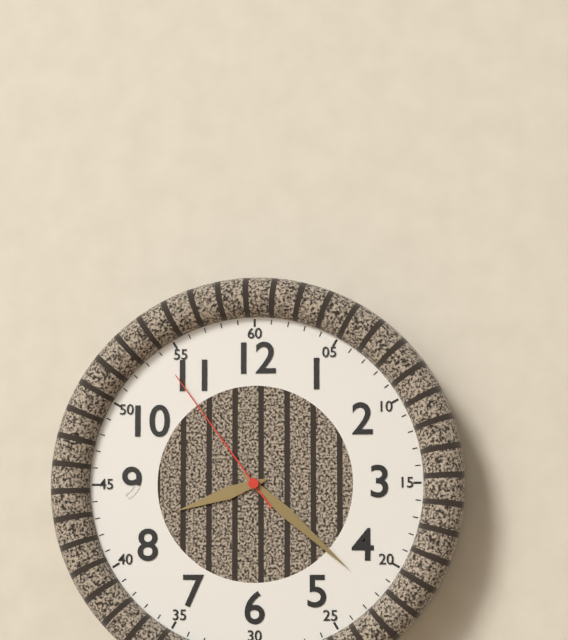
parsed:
8,22,54
